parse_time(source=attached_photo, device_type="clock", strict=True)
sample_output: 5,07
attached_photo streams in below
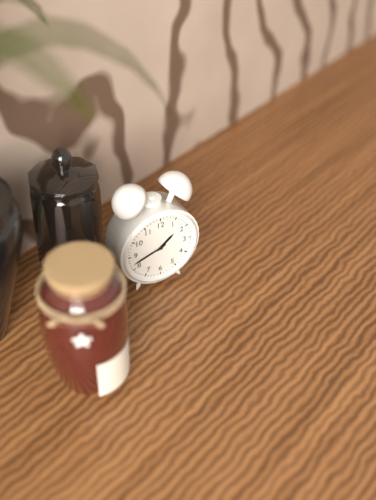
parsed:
1,42
